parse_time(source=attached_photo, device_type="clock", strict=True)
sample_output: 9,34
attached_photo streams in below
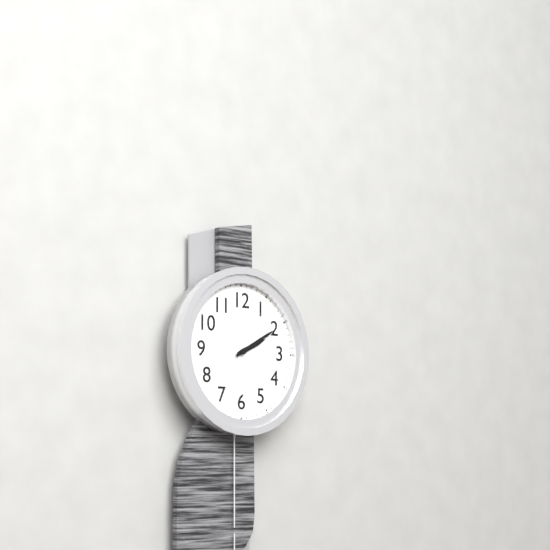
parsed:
2,10
